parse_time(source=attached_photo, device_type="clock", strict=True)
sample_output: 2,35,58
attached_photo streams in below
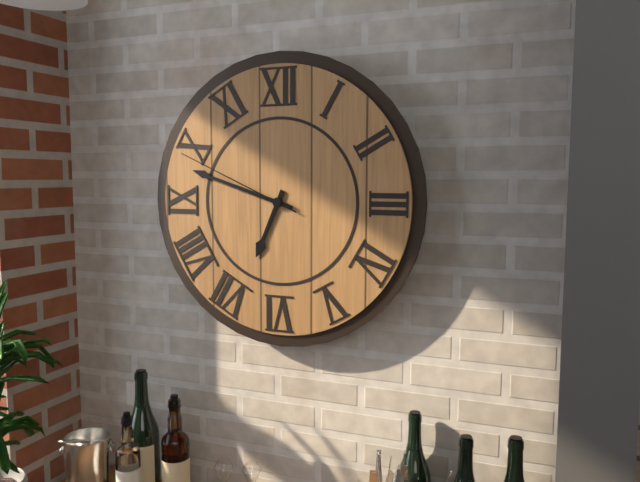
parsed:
6,48,49
